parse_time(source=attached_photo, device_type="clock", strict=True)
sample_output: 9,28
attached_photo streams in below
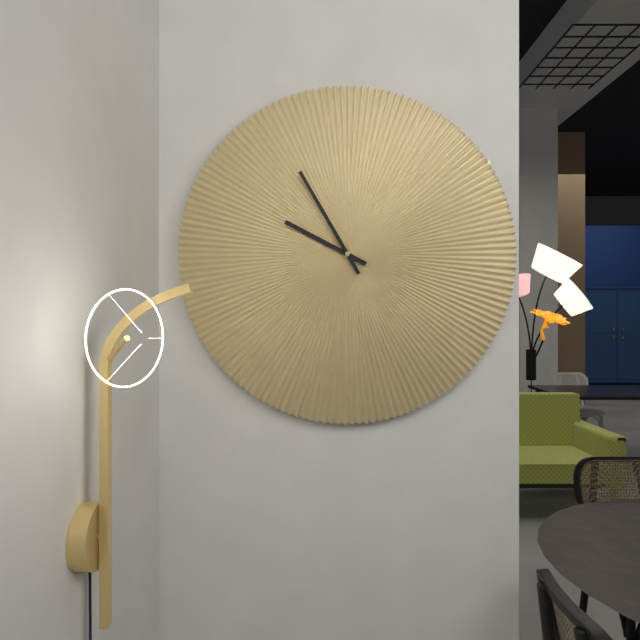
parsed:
9,55
